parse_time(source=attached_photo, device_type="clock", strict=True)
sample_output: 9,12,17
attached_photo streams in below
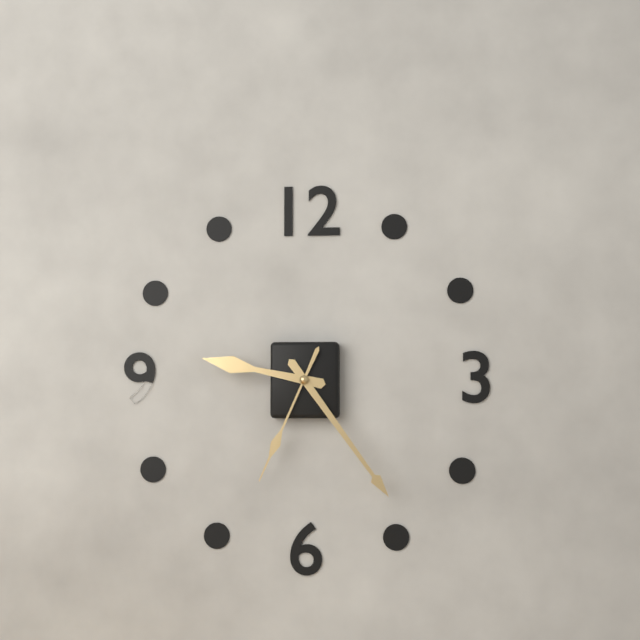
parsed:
9,24,34
